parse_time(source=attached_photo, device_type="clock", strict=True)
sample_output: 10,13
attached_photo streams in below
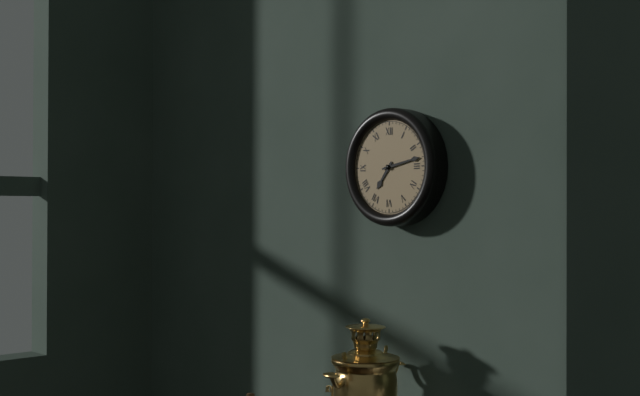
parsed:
7,13
